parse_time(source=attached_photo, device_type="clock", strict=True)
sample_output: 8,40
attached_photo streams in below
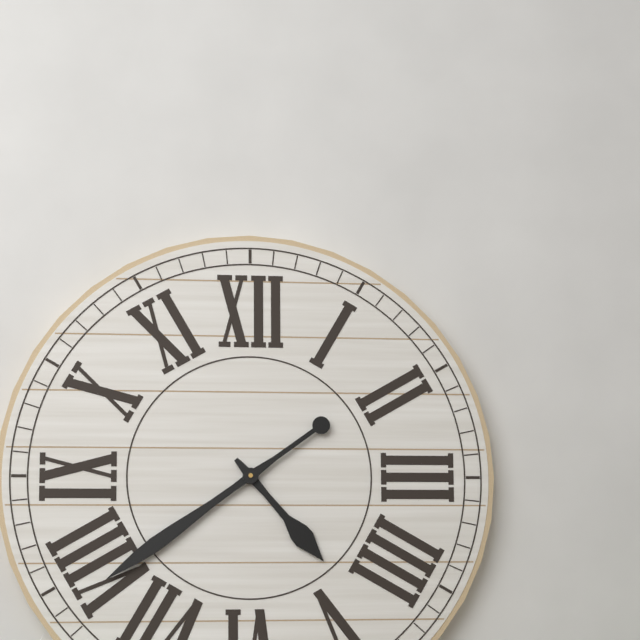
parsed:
4,39
